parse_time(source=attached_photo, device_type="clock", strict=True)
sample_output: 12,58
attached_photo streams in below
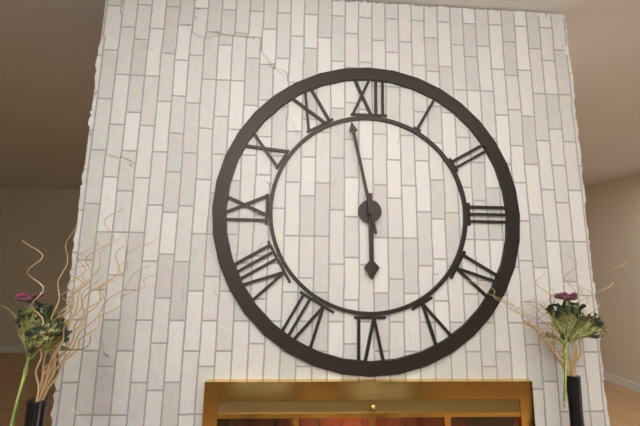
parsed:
5,58
